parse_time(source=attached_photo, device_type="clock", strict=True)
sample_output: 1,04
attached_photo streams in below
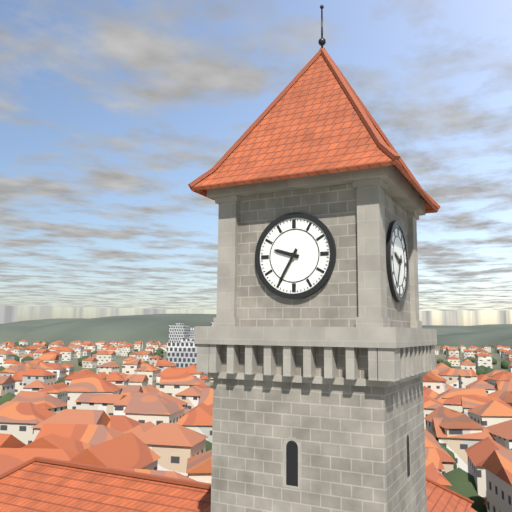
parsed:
9,35
